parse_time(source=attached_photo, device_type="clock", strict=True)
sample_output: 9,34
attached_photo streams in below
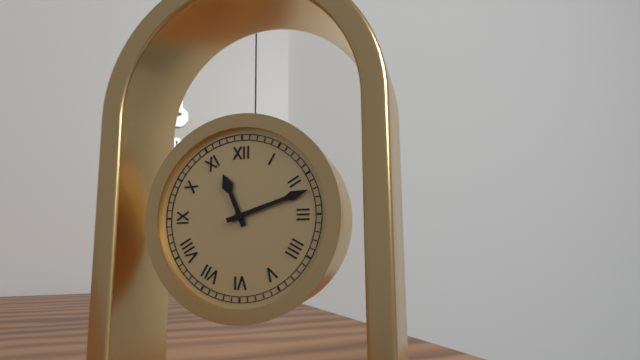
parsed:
11,12
